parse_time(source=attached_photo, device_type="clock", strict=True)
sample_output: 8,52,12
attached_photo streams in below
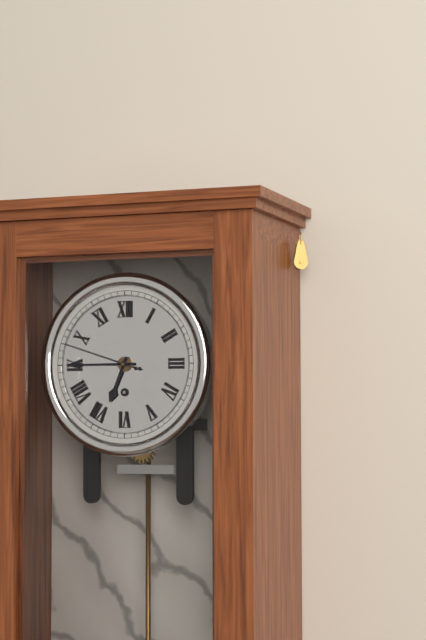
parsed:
6,45,48
